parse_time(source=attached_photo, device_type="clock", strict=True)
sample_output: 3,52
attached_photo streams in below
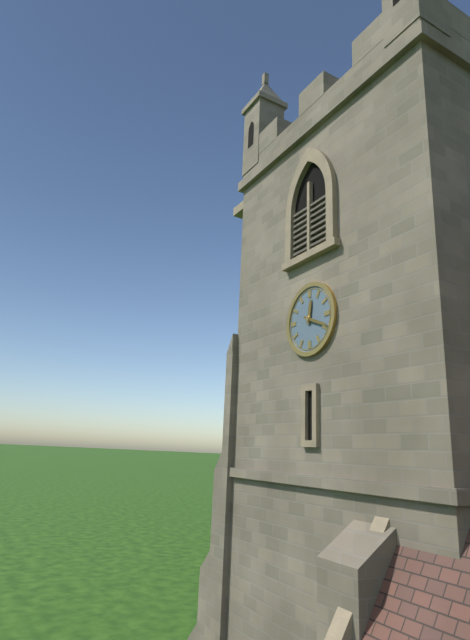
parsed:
12,19
